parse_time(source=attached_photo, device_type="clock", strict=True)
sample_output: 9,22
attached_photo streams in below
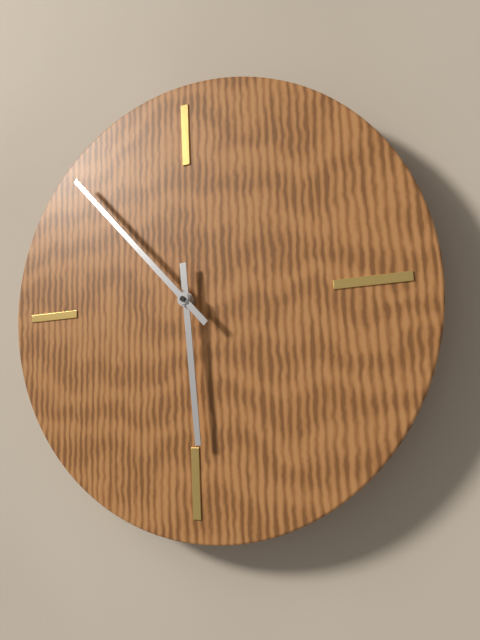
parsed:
5,53
